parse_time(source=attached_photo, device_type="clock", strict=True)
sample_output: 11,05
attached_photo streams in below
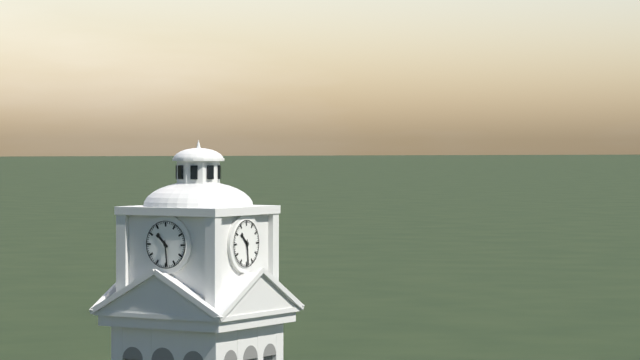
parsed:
10,29
